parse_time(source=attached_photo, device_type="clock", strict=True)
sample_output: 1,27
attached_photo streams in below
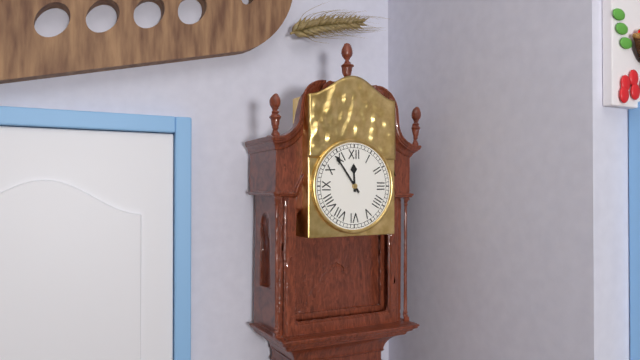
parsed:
11,54
